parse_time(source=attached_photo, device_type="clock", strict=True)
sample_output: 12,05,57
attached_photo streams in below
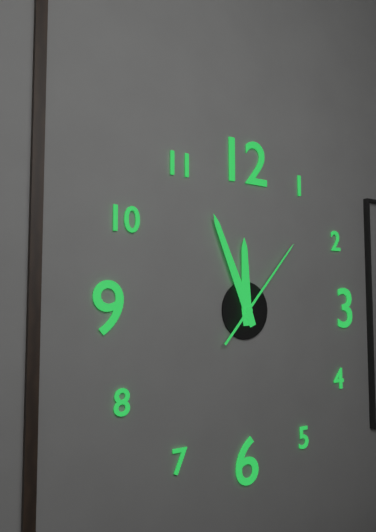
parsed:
11,56,07
